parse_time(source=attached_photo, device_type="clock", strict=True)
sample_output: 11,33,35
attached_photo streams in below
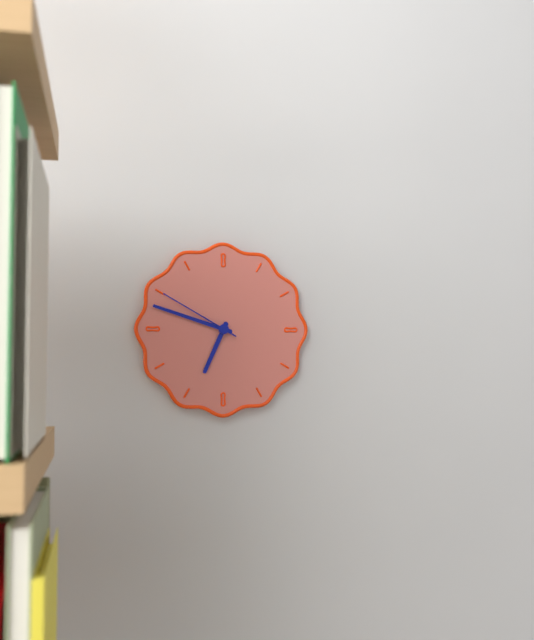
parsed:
6,48,50
